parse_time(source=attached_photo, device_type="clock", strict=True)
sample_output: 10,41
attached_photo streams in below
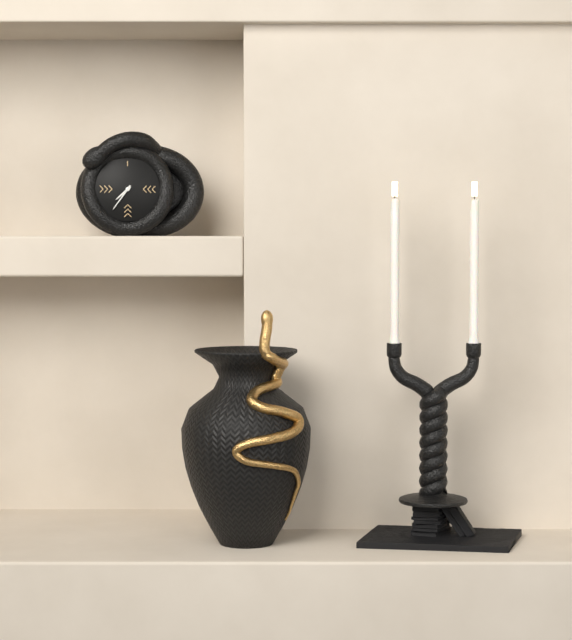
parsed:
7,36
